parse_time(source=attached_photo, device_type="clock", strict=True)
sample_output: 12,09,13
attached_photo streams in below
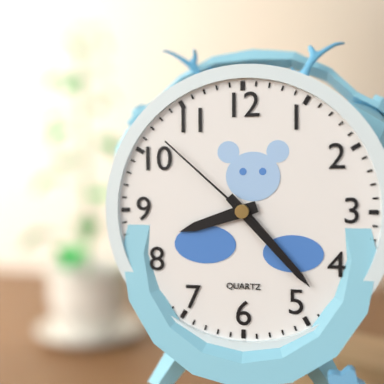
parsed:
8,23,52
